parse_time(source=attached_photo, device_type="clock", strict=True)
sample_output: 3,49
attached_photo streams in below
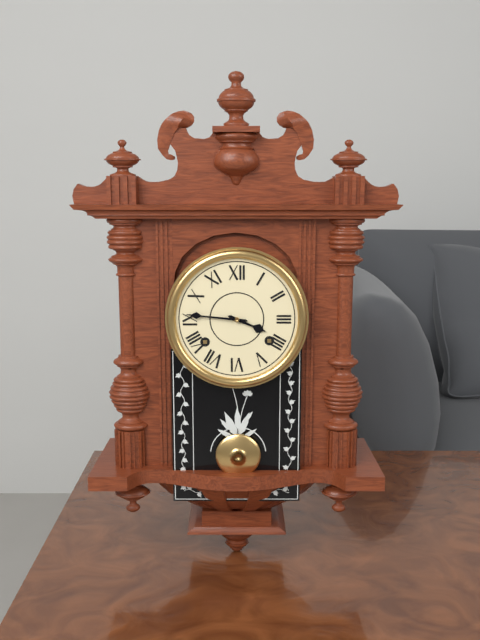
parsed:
3,46
